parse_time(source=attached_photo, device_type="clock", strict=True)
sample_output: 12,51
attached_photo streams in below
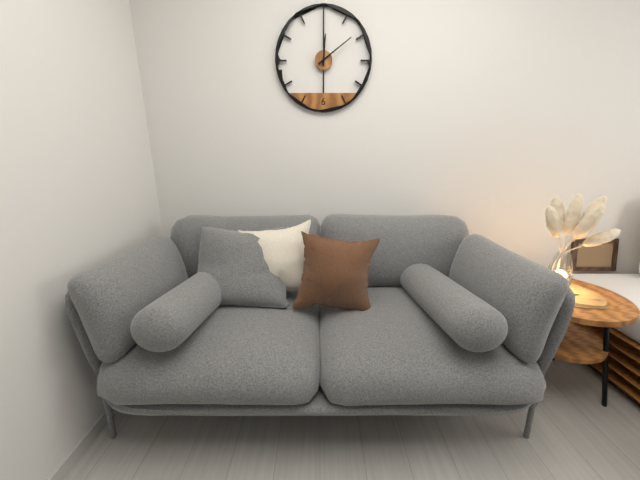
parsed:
12,09
